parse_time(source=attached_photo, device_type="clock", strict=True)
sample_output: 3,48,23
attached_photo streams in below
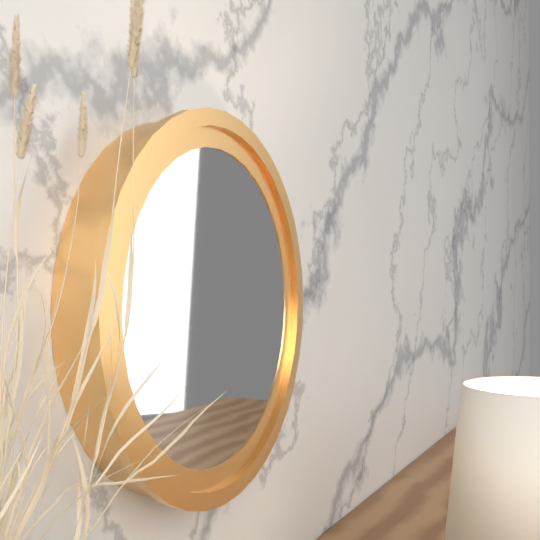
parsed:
2,50,17
